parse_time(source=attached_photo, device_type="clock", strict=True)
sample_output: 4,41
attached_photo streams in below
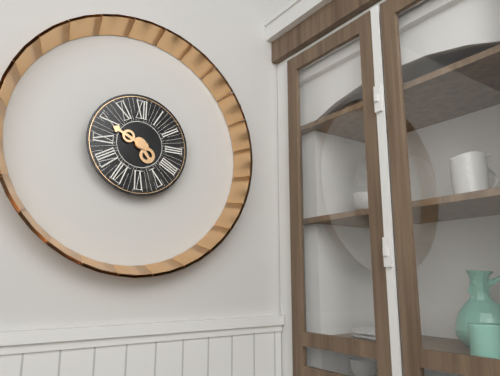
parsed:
4,49
